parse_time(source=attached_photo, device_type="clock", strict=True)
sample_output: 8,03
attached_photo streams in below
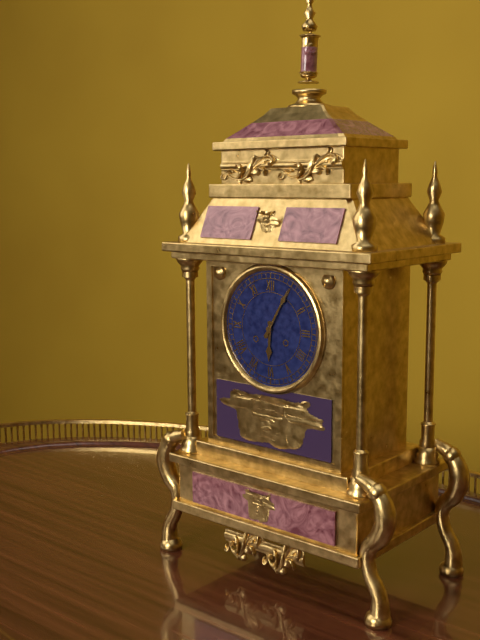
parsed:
6,05
